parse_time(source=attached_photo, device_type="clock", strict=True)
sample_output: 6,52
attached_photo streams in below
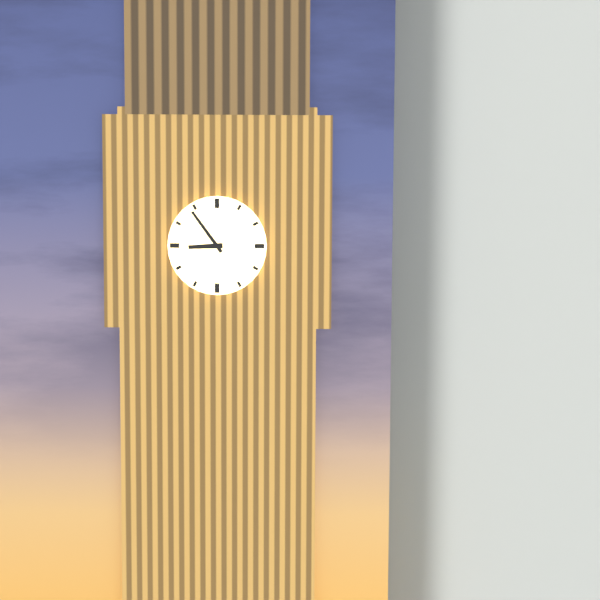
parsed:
8,54
